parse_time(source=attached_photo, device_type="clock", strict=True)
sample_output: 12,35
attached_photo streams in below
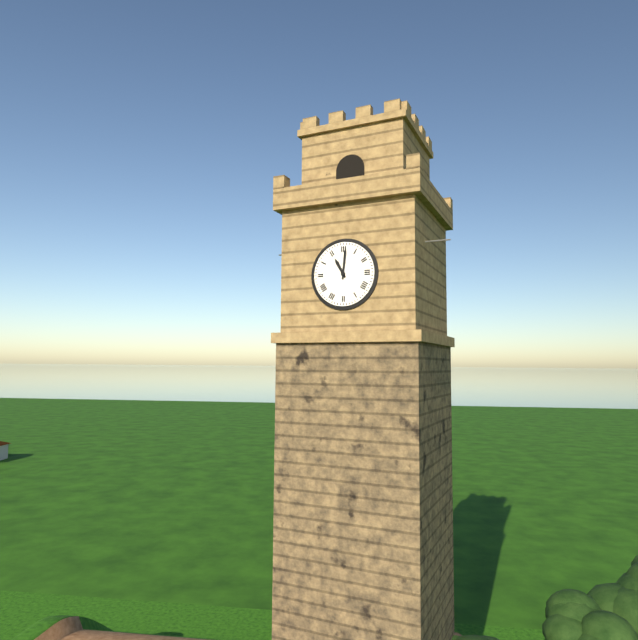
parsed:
11,01
